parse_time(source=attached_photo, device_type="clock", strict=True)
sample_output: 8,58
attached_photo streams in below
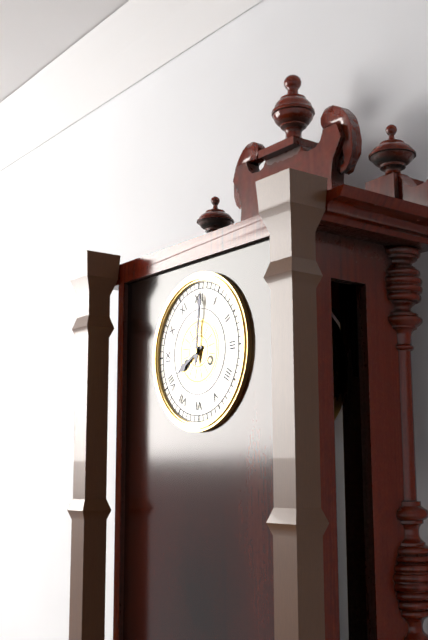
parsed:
8,01
